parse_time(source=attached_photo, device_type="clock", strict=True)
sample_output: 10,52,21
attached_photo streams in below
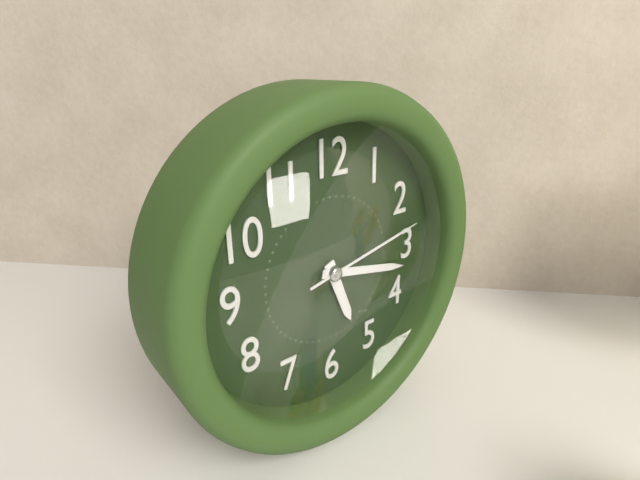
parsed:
5,17,13
